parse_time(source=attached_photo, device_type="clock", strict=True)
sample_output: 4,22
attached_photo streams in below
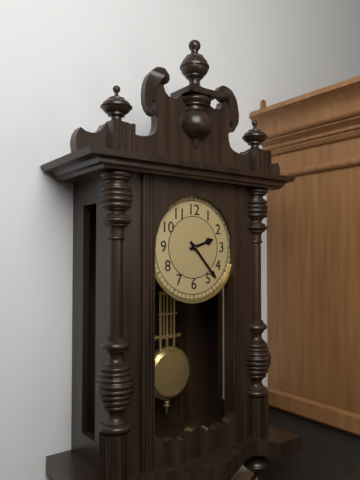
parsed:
2,23
